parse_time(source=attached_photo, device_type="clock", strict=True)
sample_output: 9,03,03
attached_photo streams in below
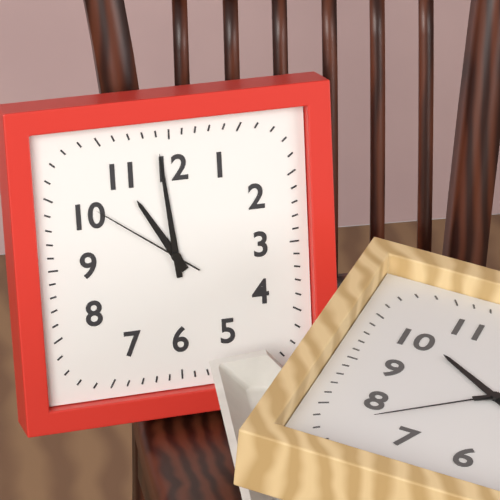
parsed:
10,59,51
